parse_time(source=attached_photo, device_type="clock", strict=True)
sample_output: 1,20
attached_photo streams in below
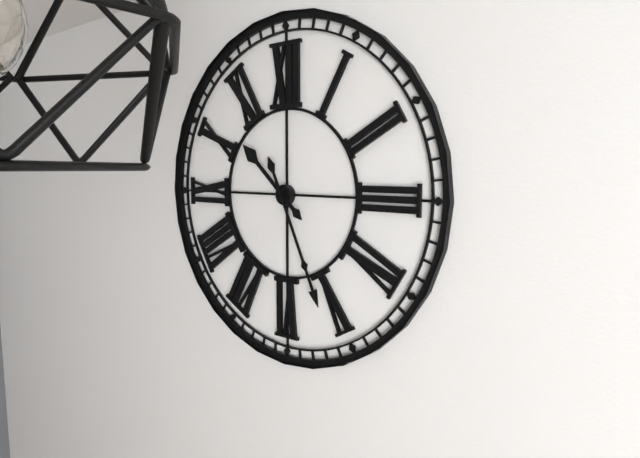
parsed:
10,26
